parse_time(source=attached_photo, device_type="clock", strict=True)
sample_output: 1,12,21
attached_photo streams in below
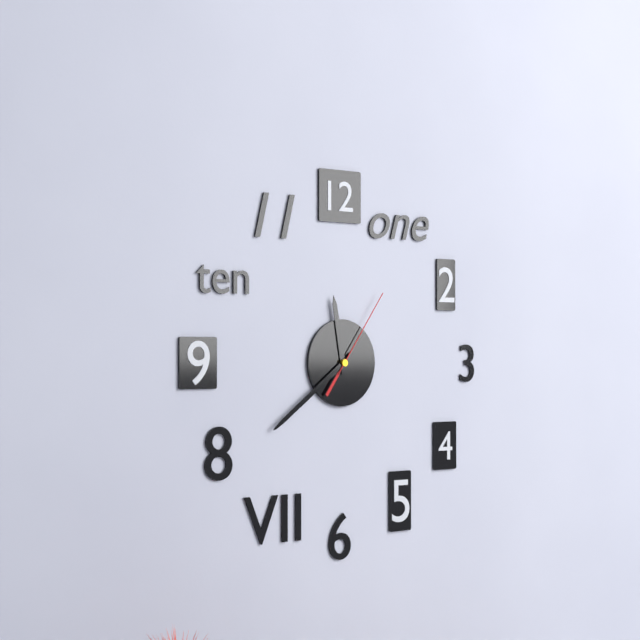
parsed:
11,39,06
